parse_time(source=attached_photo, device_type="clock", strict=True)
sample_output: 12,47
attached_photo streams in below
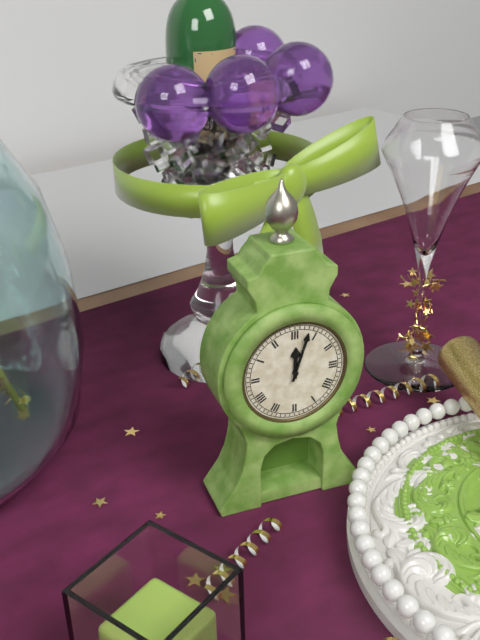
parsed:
12,03
